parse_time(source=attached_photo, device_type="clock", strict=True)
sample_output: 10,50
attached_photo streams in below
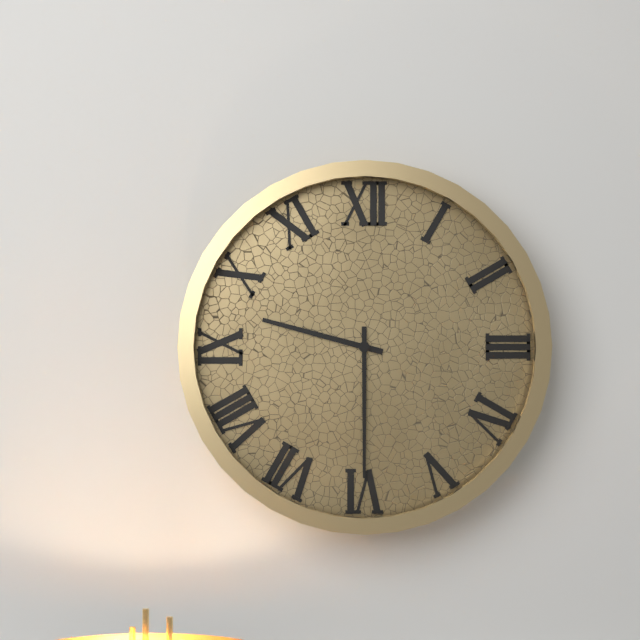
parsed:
9,30
